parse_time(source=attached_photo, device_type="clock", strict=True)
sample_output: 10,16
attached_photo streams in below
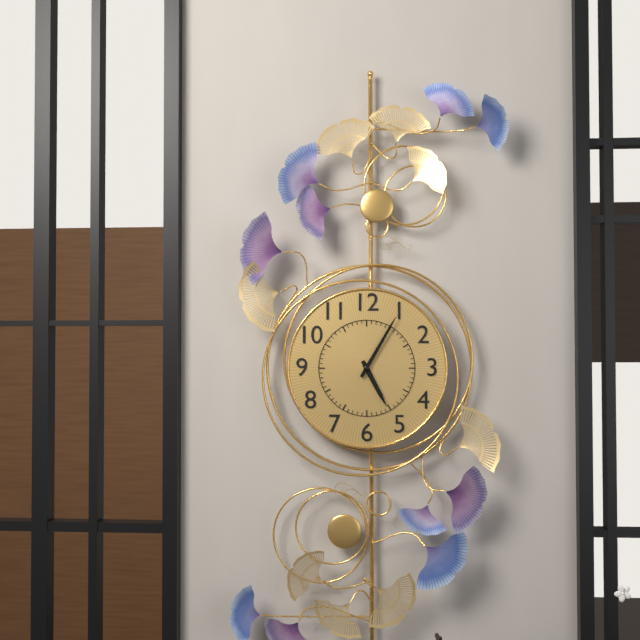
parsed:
5,05
